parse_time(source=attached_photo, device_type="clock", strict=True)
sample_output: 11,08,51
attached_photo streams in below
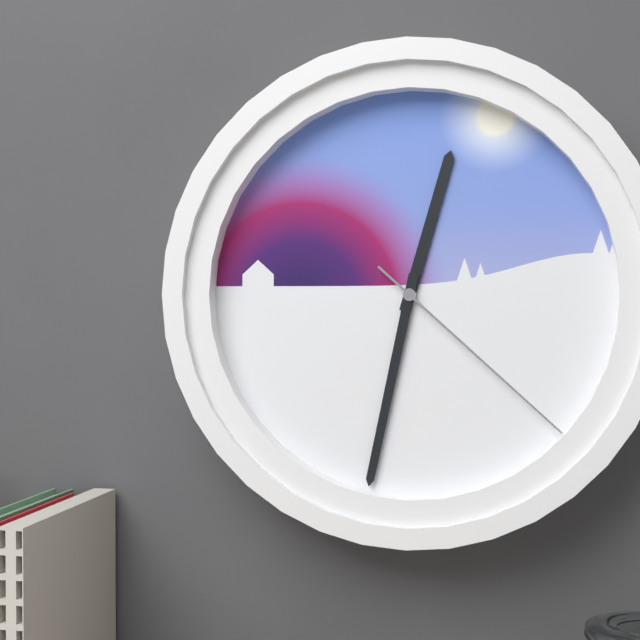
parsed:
12,32,22
